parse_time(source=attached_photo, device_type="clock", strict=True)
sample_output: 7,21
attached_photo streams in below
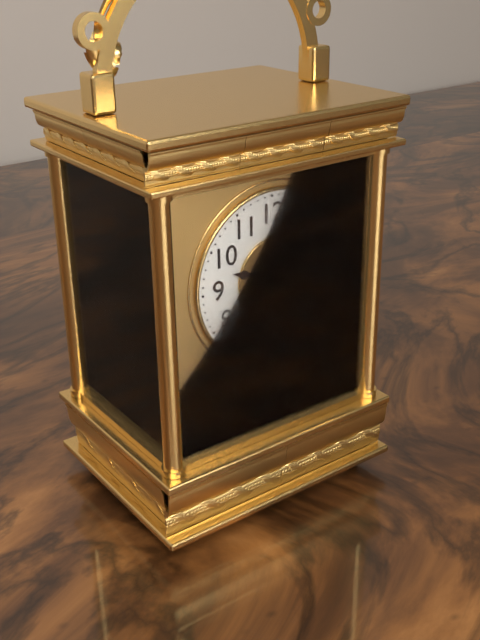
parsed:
9,34
